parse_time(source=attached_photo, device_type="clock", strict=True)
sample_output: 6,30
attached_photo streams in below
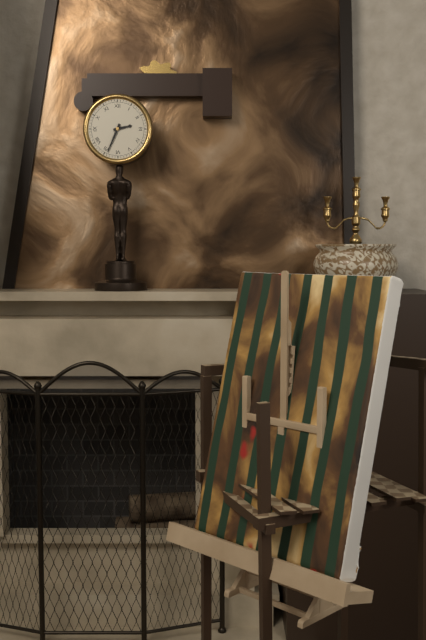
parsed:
2,34
